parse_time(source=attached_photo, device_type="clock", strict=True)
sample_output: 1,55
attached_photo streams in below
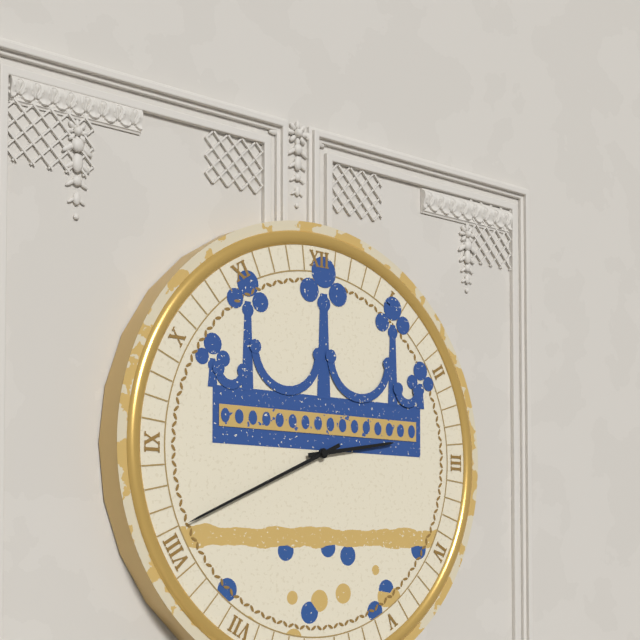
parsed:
2,41
